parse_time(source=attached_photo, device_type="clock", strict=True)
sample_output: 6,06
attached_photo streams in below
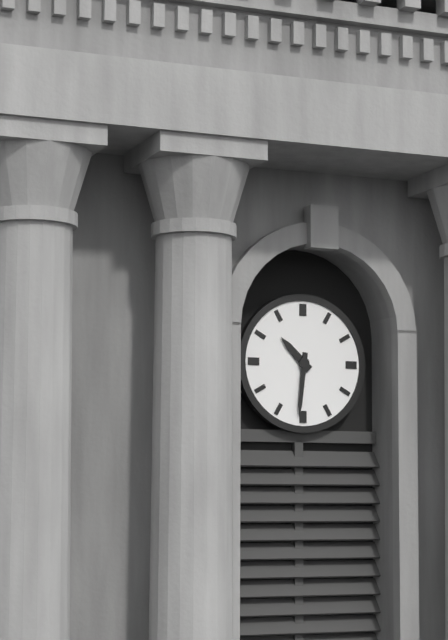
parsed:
10,31
